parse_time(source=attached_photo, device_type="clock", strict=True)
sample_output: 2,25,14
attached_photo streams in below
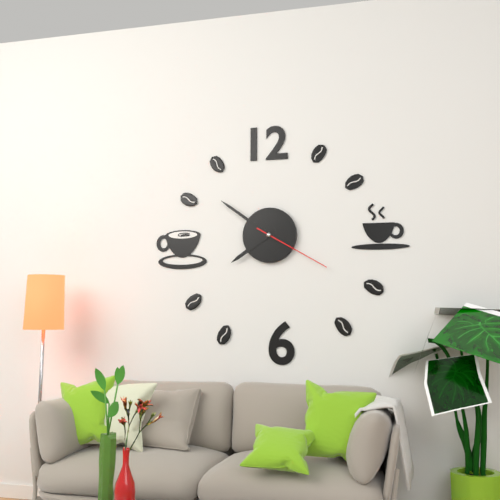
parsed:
7,51,20
